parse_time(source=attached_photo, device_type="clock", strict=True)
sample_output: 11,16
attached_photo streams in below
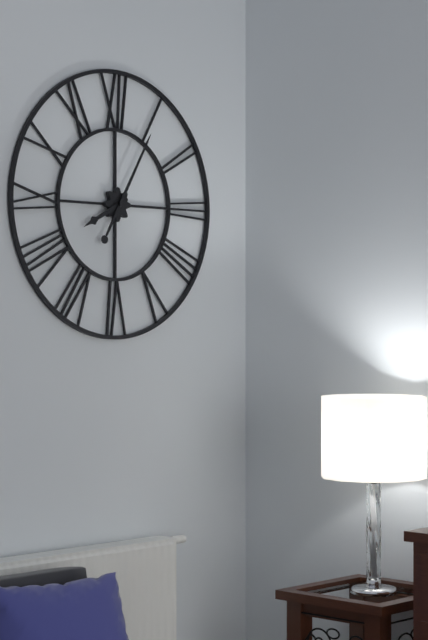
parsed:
8,05
